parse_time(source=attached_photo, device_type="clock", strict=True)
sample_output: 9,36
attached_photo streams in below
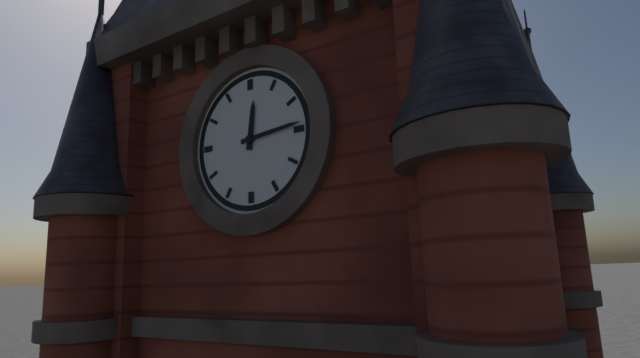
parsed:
12,14
